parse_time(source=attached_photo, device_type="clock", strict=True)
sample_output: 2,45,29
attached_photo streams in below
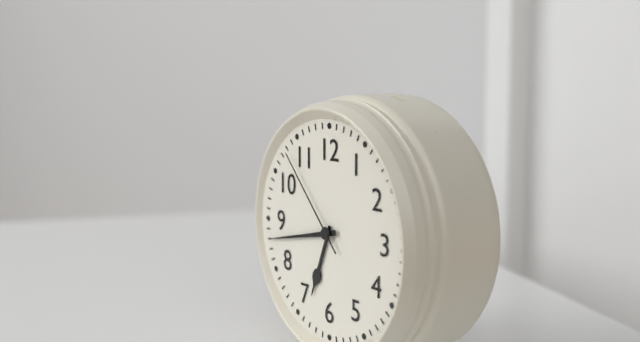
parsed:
6,43,53
